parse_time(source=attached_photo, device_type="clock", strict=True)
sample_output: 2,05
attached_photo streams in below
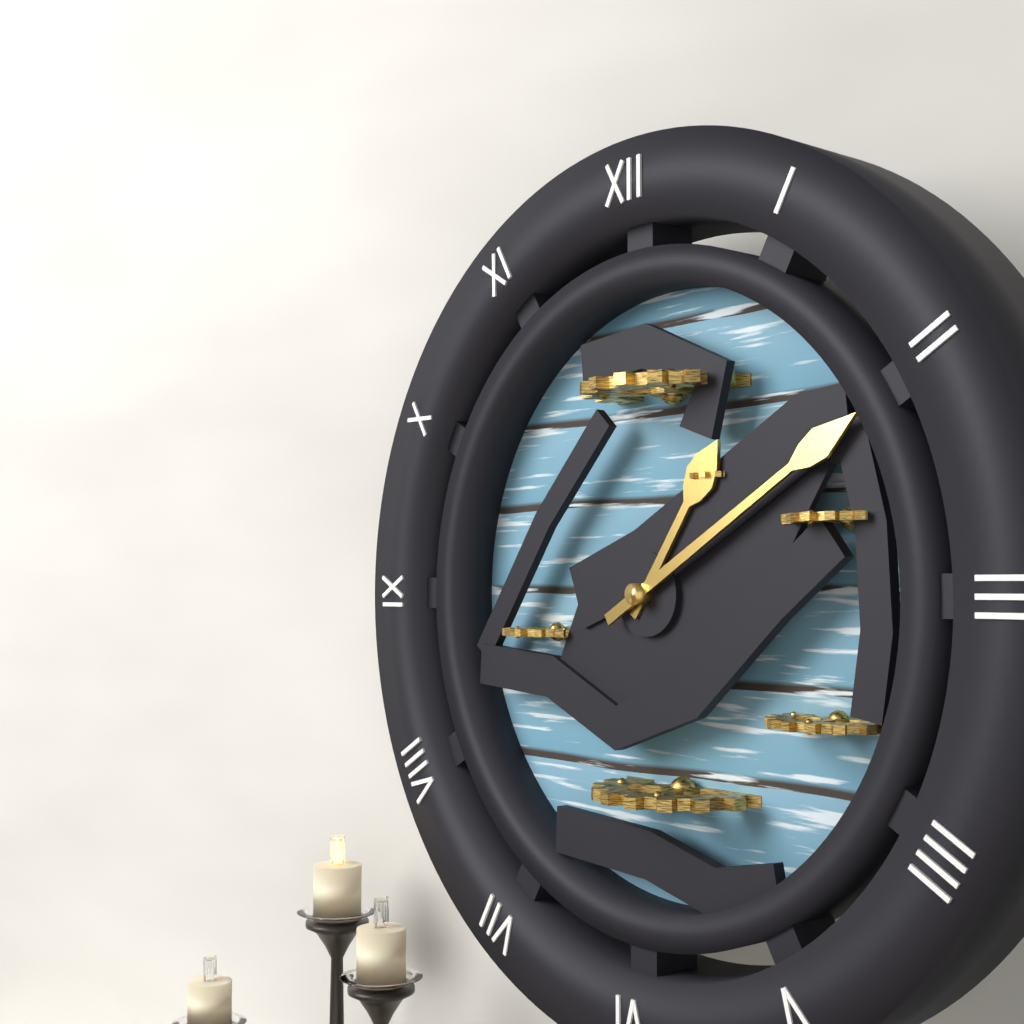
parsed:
1,10
